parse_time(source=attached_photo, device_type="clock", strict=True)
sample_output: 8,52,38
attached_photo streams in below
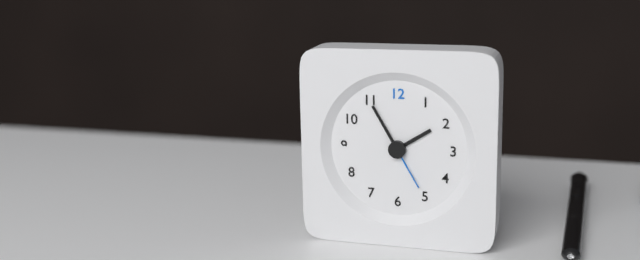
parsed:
1,55,25
